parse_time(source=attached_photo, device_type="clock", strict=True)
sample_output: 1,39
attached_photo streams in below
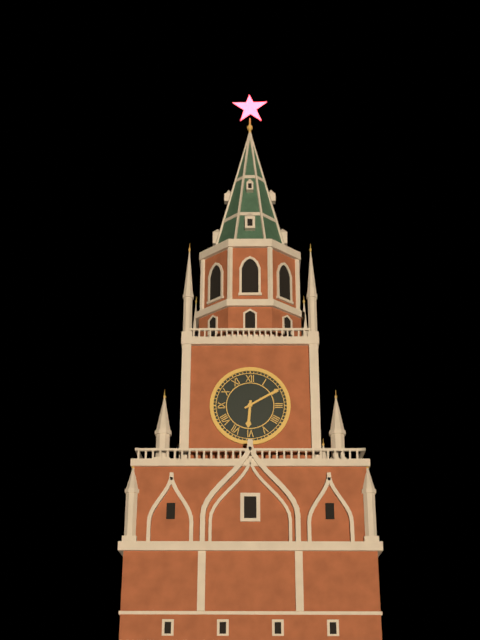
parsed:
6,10
